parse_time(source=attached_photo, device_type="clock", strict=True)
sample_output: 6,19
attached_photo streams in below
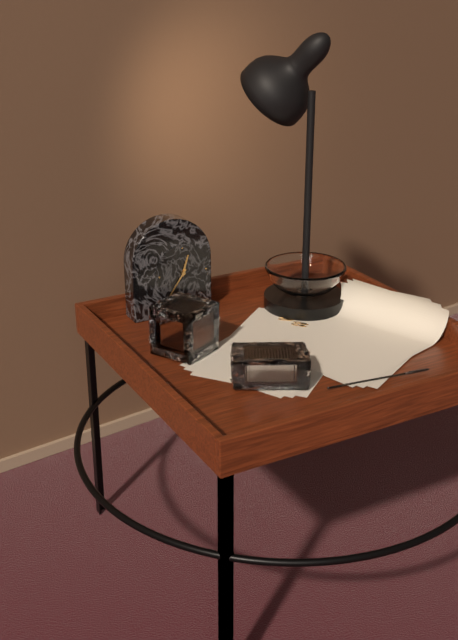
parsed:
12,36
